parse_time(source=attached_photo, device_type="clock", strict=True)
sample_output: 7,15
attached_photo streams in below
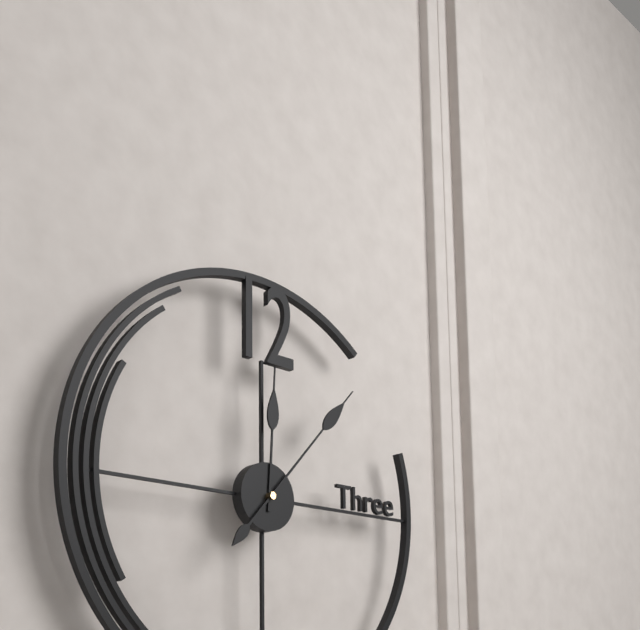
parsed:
12,07
